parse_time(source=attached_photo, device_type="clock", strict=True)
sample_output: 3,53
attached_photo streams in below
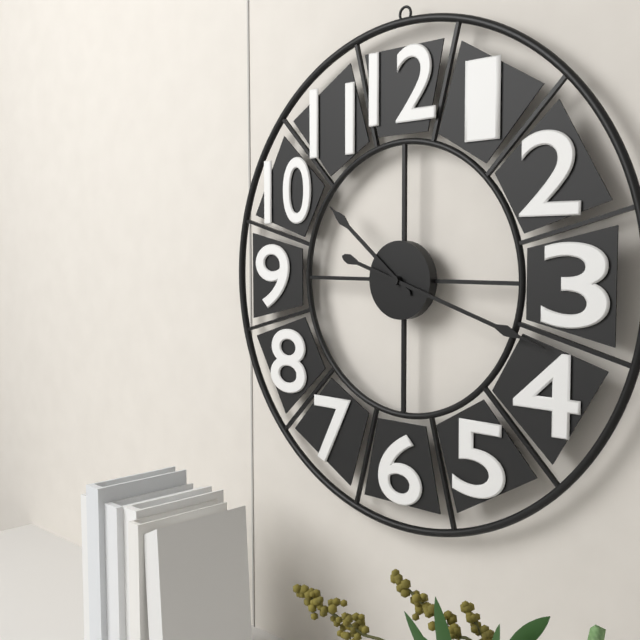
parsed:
10,18
